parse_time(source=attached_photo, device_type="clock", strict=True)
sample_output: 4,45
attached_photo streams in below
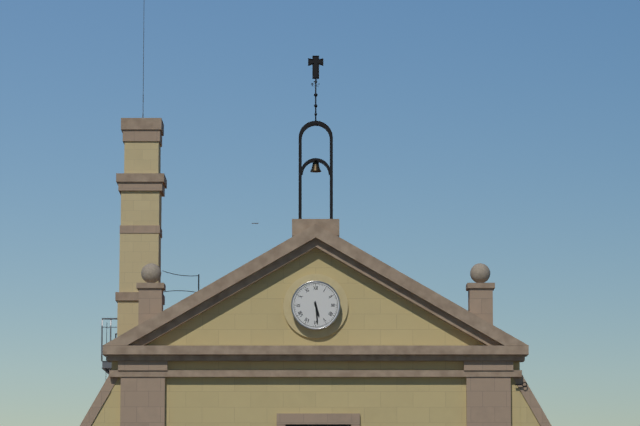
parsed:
5,29
